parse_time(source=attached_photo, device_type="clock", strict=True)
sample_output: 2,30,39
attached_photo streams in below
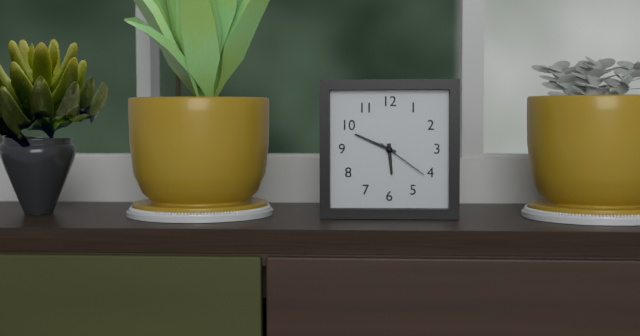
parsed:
5,49,21
